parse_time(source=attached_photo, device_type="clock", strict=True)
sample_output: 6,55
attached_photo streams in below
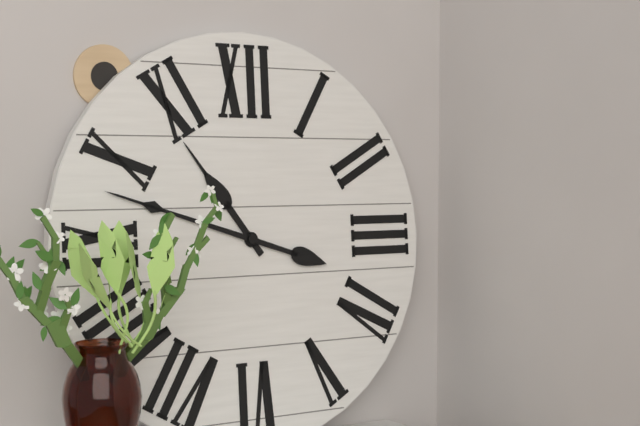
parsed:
10,48
